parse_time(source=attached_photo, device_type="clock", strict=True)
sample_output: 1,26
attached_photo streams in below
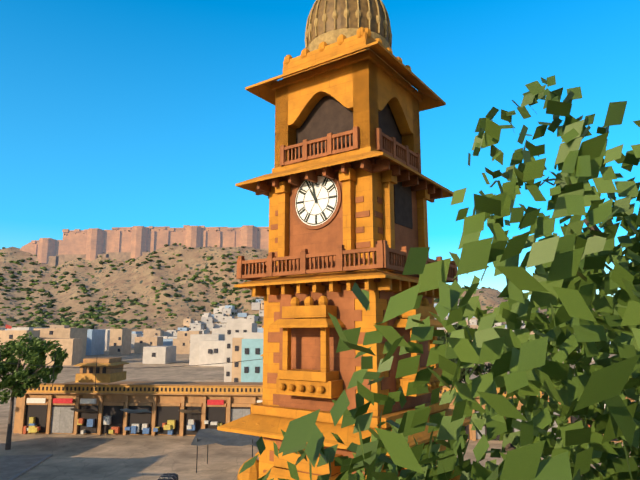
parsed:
10,58
